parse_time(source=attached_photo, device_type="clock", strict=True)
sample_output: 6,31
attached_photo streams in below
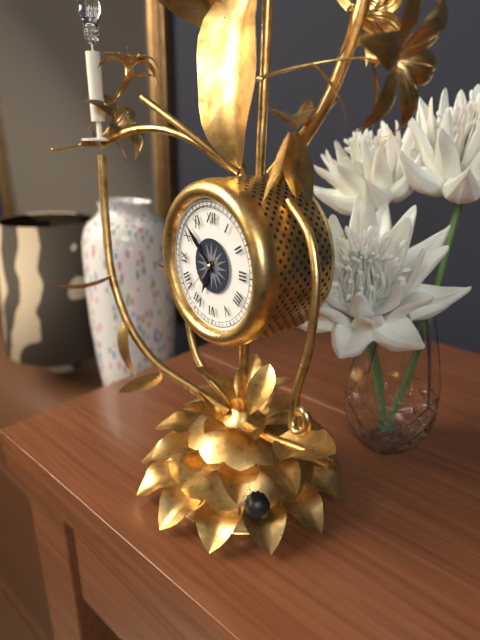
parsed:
6,52
